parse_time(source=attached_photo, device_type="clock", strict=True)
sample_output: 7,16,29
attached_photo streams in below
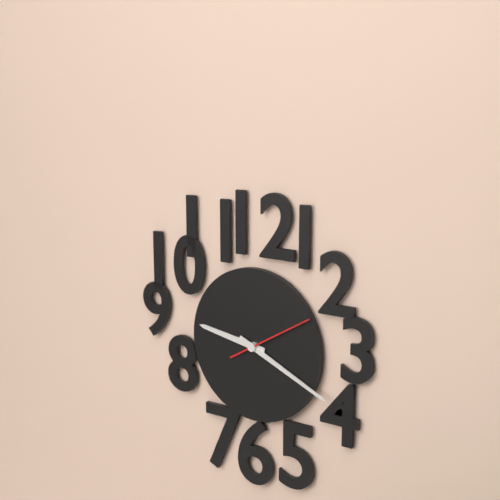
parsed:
9,19,10
